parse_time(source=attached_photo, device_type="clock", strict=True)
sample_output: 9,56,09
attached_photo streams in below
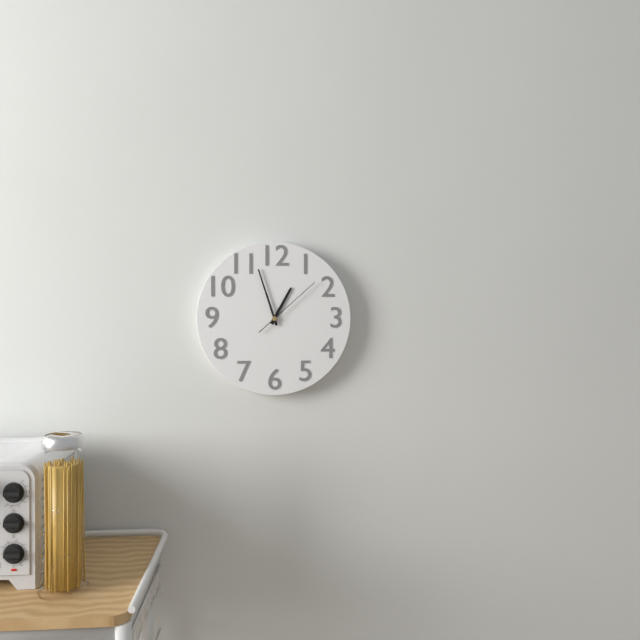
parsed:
12,57,08
